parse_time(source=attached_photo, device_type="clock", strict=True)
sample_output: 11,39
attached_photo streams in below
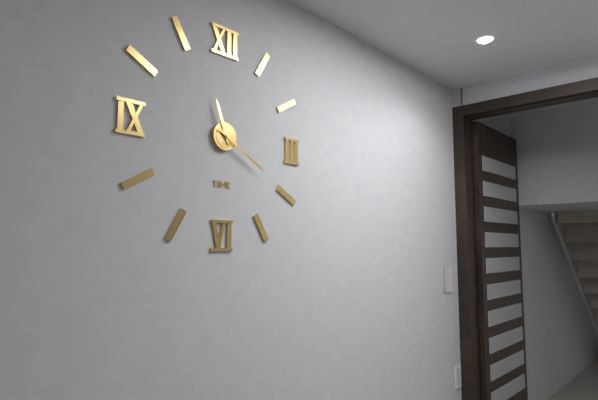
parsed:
11,20
